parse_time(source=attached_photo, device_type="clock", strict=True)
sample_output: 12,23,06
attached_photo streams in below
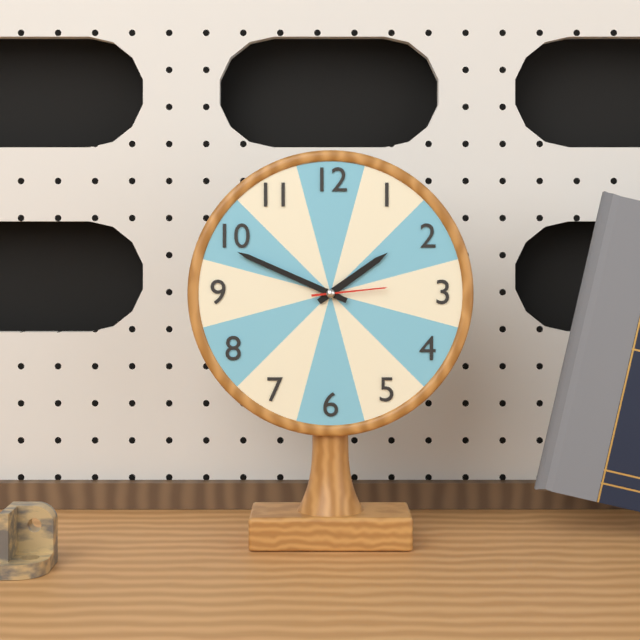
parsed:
1,49,14
